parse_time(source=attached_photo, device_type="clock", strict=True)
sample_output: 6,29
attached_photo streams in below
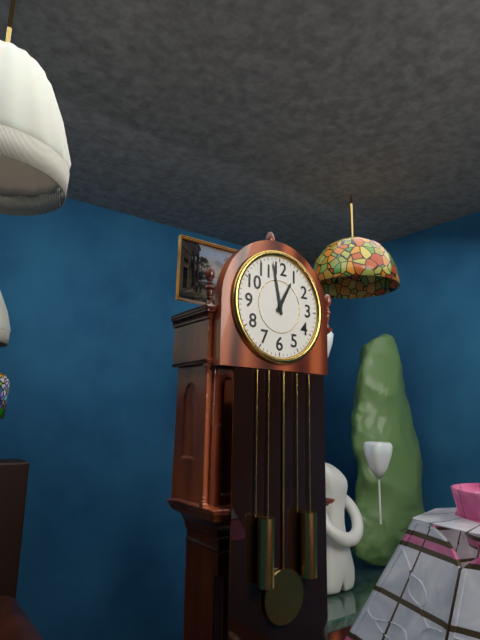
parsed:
12,58
